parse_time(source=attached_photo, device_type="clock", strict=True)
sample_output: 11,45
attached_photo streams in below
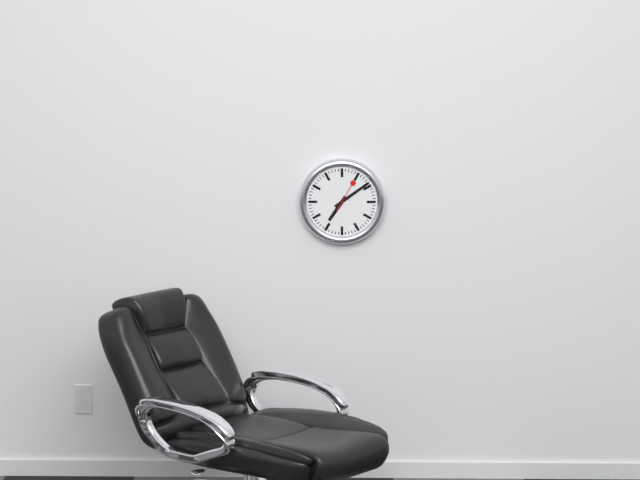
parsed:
7,09
